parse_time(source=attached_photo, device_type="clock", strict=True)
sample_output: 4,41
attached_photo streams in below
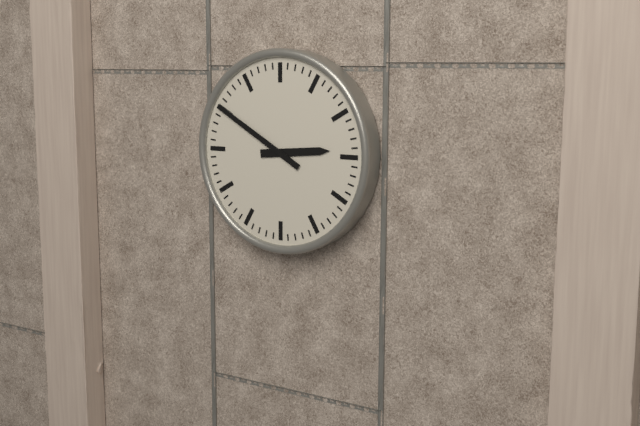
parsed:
2,50
